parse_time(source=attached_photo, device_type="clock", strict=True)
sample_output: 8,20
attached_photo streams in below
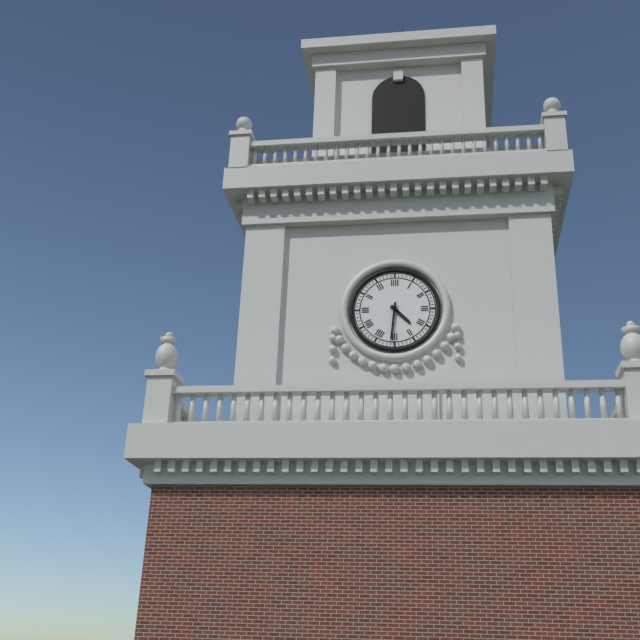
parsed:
4,31
